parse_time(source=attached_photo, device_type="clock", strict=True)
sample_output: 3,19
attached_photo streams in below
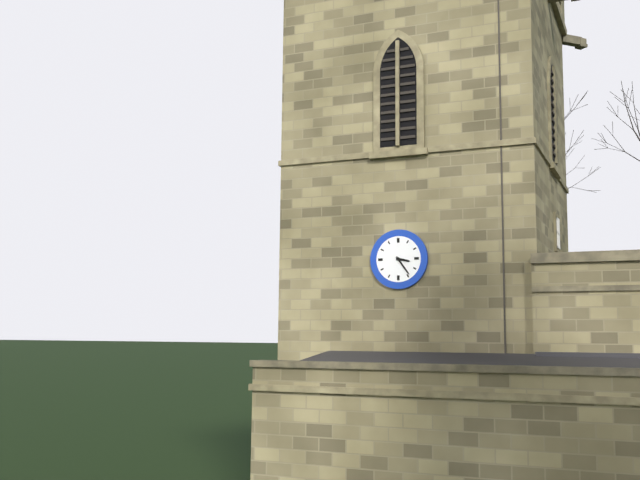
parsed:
3,24
